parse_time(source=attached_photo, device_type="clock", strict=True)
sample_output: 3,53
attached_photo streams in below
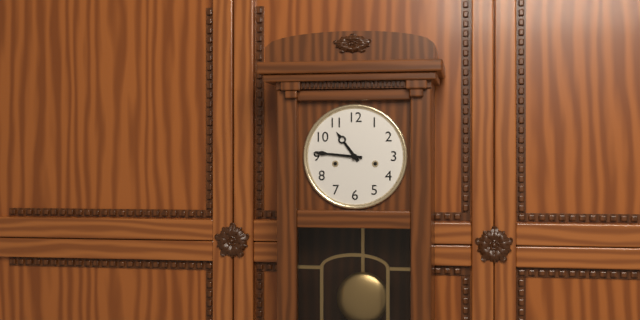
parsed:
10,46
